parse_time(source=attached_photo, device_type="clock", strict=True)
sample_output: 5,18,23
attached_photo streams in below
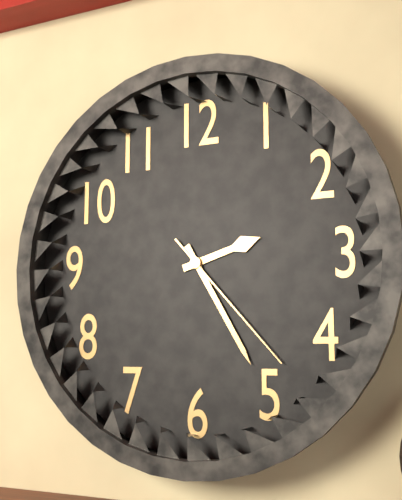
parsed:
2,25,23
